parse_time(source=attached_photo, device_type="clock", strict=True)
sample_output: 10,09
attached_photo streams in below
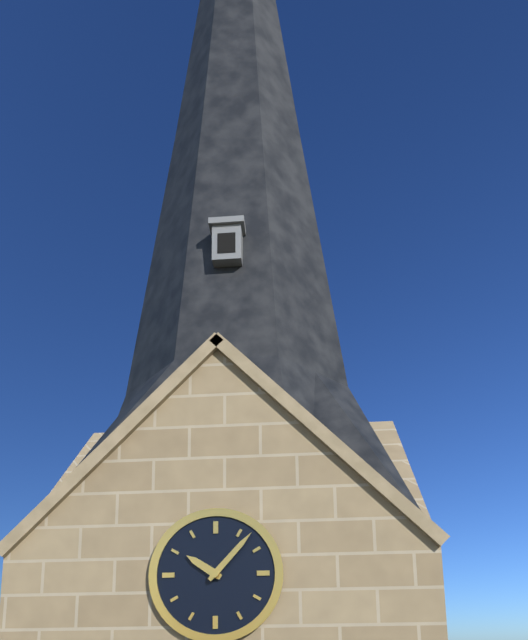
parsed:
10,07
